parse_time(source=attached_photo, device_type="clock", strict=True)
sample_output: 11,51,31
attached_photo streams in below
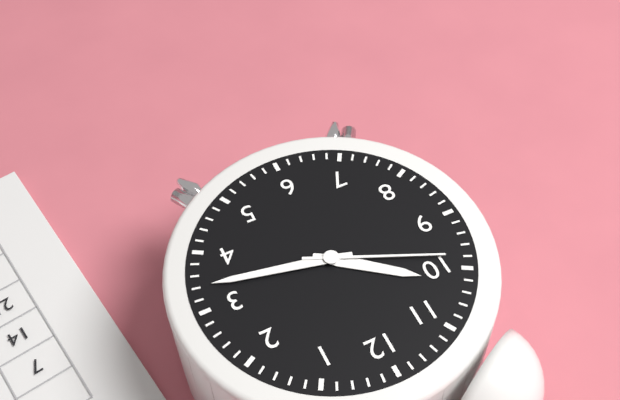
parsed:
10,17,49
